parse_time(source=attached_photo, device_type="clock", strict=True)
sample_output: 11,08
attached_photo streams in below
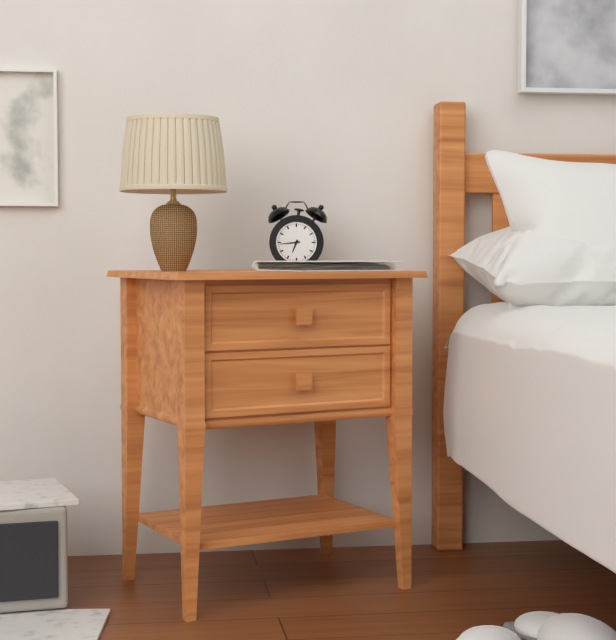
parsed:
6,44
